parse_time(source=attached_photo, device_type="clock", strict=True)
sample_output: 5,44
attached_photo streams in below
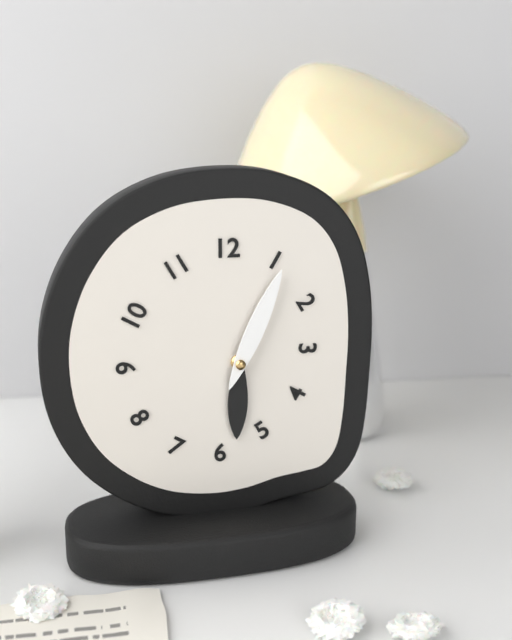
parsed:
6,04
